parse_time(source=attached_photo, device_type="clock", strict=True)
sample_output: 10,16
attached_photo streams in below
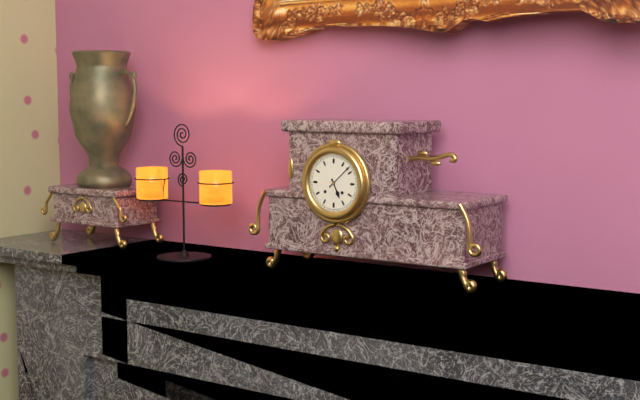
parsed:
5,08
